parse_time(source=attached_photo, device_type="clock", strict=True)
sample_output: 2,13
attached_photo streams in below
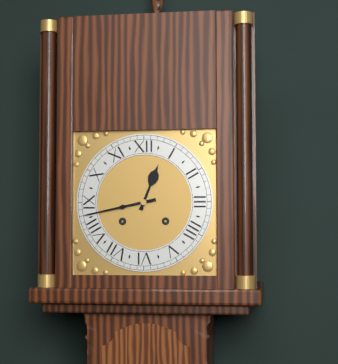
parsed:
12,43
